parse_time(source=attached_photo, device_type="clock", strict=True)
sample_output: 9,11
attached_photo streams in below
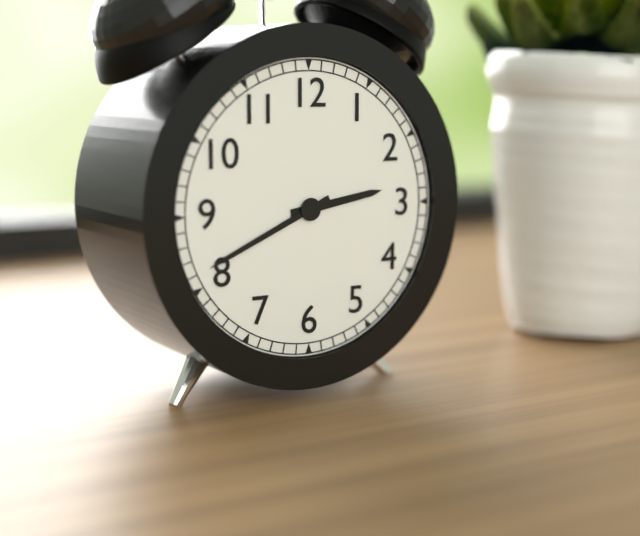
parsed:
2,41
